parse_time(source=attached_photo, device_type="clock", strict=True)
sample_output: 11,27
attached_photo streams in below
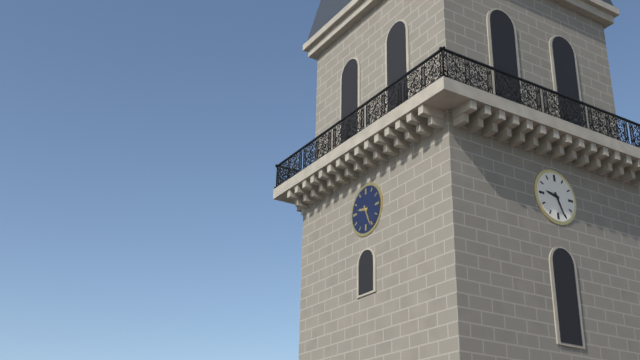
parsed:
9,26
